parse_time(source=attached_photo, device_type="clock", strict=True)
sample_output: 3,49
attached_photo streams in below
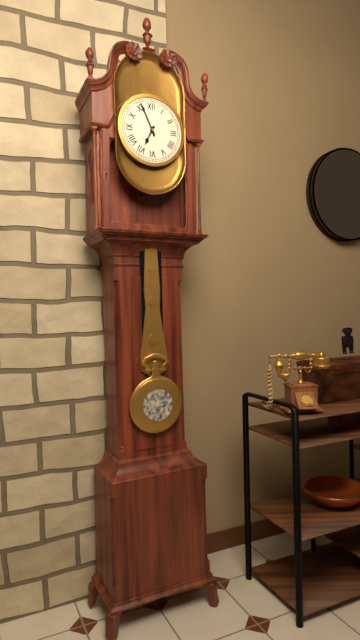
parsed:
6,56
